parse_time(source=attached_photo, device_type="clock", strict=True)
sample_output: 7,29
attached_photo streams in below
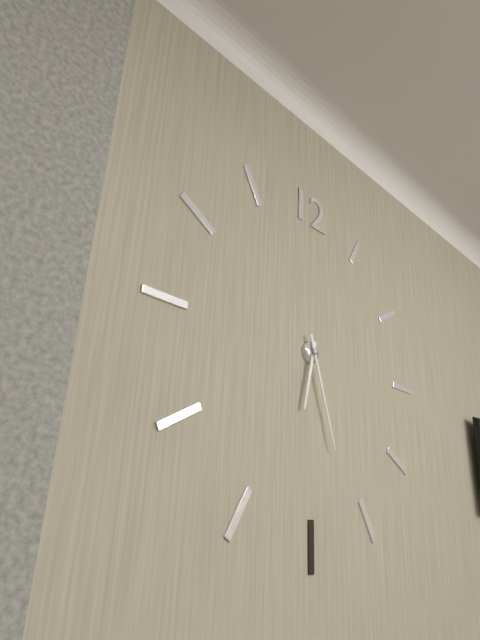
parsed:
6,27
